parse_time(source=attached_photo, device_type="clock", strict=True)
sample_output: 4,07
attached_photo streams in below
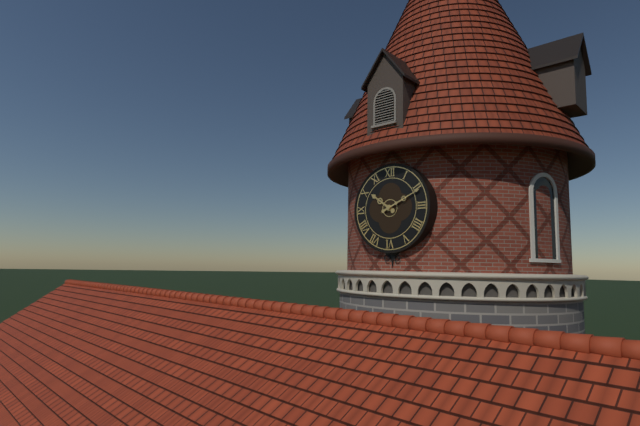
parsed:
10,11
